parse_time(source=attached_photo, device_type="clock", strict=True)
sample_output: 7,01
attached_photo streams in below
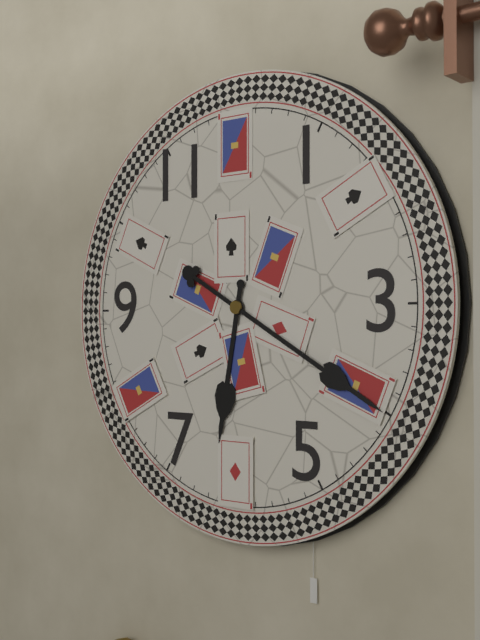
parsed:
6,20
